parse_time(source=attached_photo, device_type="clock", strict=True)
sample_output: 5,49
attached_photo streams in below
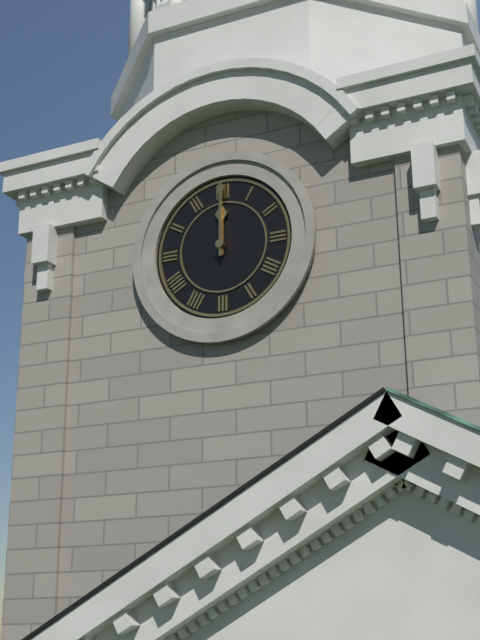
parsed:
12,00
